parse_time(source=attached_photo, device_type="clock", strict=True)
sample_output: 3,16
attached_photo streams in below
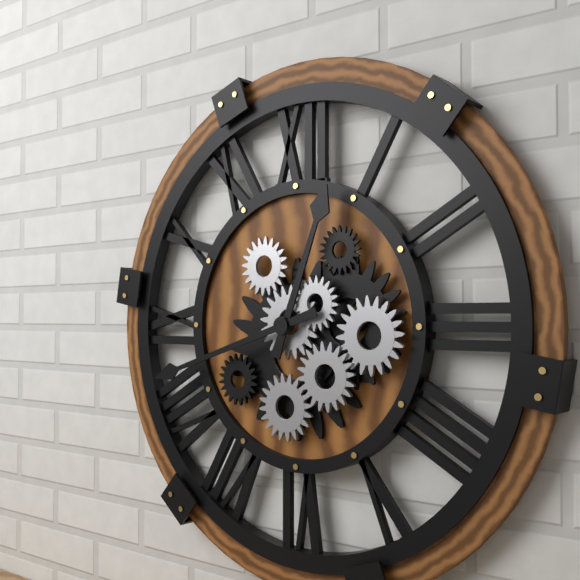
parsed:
12,42
